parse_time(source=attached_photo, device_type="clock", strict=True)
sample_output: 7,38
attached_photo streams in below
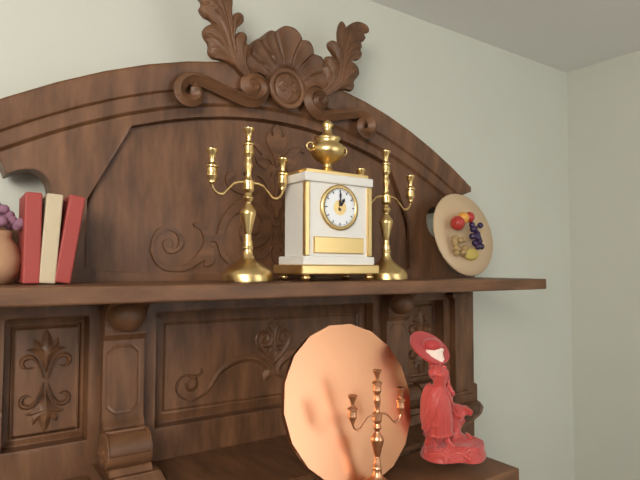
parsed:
1,00
